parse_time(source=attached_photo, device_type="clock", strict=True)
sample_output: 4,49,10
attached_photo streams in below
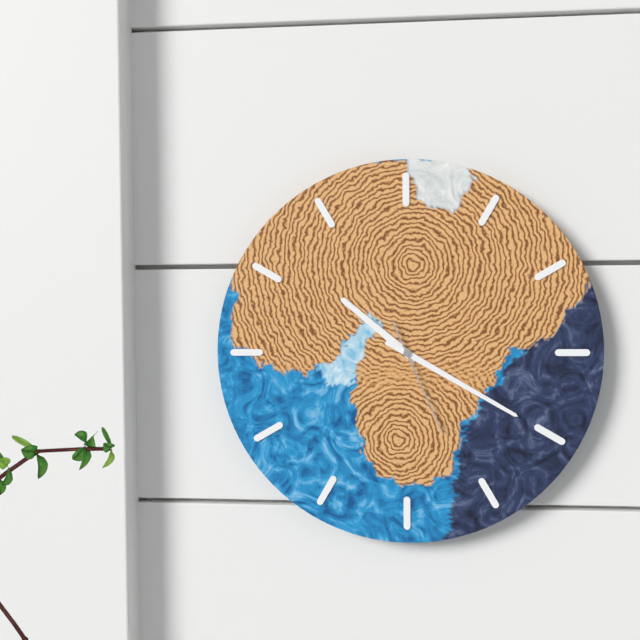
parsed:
10,20,26
